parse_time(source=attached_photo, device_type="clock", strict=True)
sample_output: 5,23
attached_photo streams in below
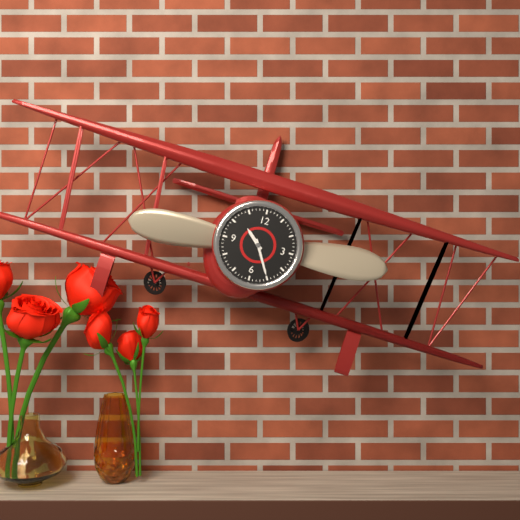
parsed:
10,25
